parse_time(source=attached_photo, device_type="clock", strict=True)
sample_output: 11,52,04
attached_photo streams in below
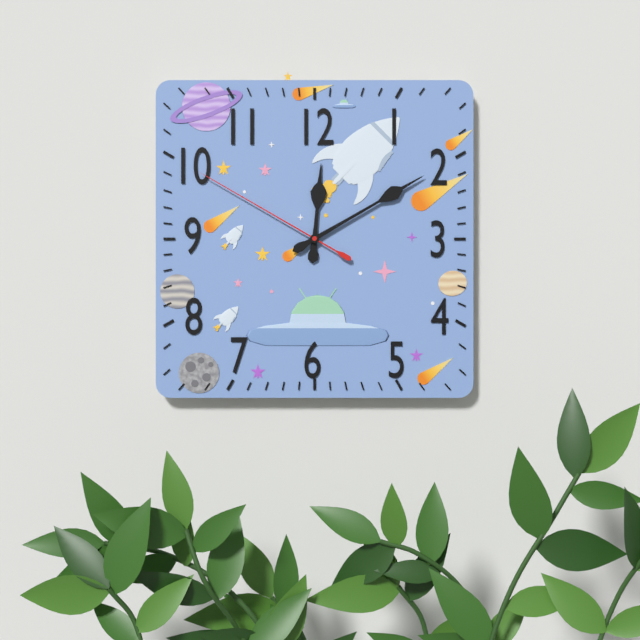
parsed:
12,10,50
